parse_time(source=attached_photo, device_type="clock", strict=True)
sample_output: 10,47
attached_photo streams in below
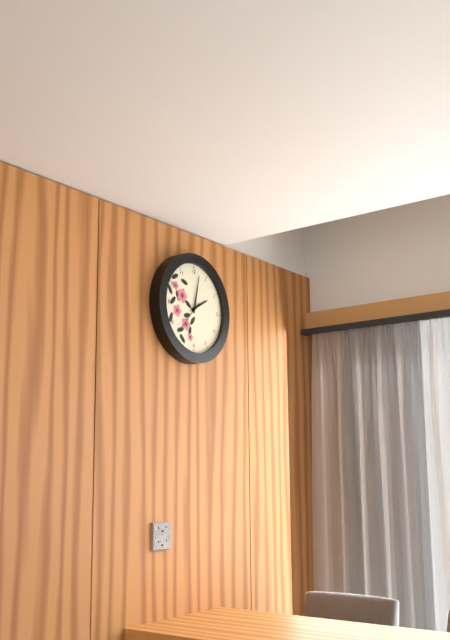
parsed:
2,02
